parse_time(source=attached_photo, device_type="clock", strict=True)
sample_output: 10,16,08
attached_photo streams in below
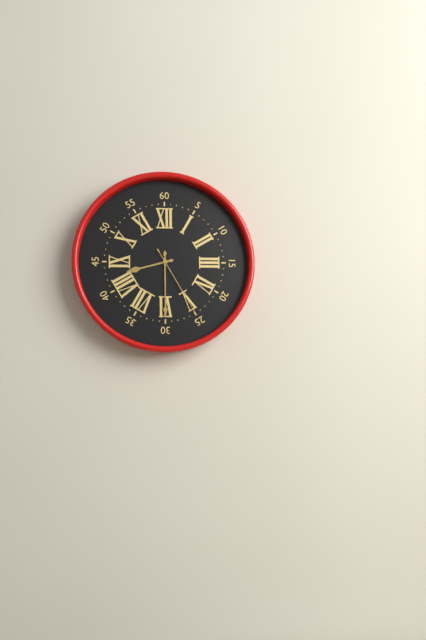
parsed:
8,30,25
